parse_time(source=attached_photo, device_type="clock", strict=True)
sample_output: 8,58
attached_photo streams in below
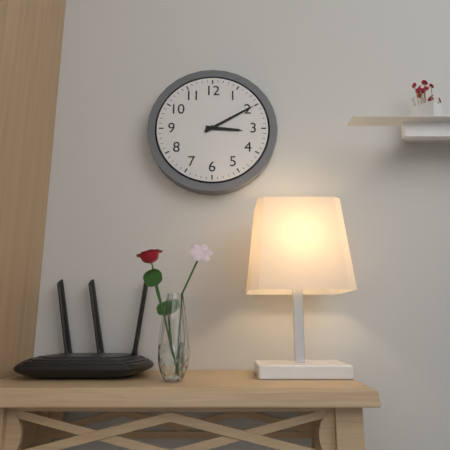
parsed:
3,10
